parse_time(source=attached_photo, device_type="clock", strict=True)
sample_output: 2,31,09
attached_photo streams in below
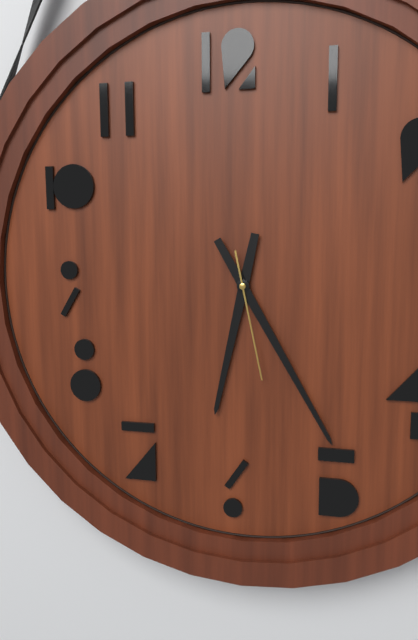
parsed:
6,25,28
